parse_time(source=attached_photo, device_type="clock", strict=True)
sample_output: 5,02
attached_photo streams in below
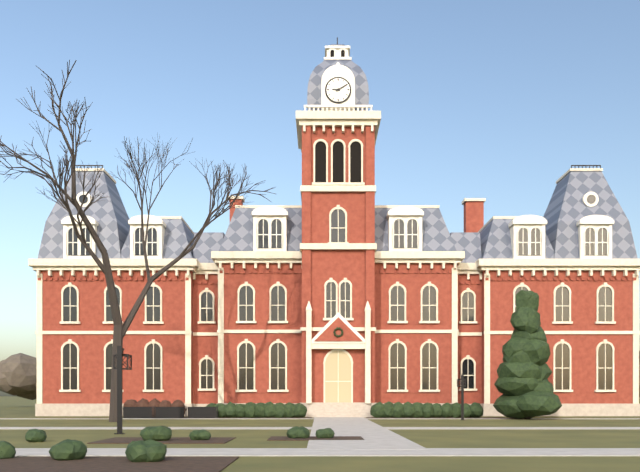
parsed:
9,10
